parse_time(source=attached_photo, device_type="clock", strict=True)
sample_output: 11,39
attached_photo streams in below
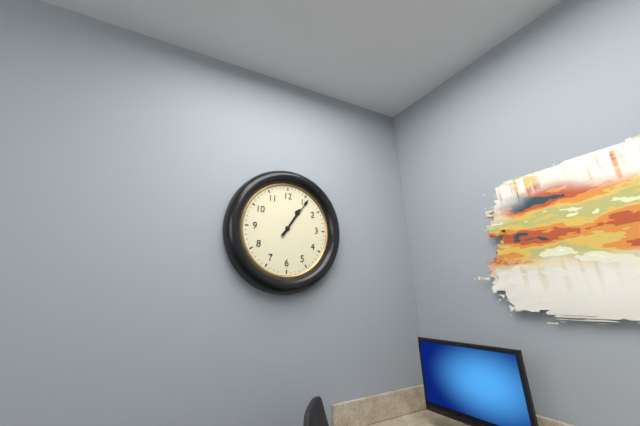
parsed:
1,06
